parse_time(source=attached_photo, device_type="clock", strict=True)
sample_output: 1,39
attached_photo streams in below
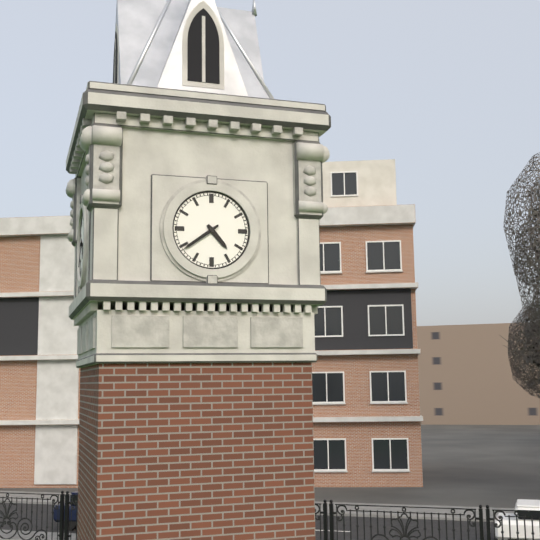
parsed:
4,39
